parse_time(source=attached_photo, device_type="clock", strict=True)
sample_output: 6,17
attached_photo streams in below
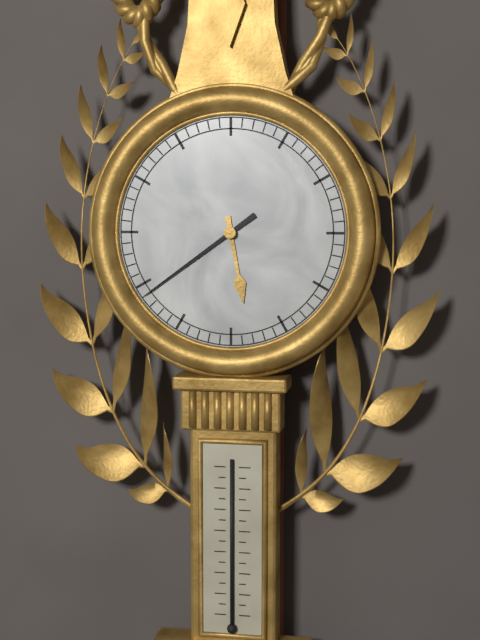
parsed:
5,39
